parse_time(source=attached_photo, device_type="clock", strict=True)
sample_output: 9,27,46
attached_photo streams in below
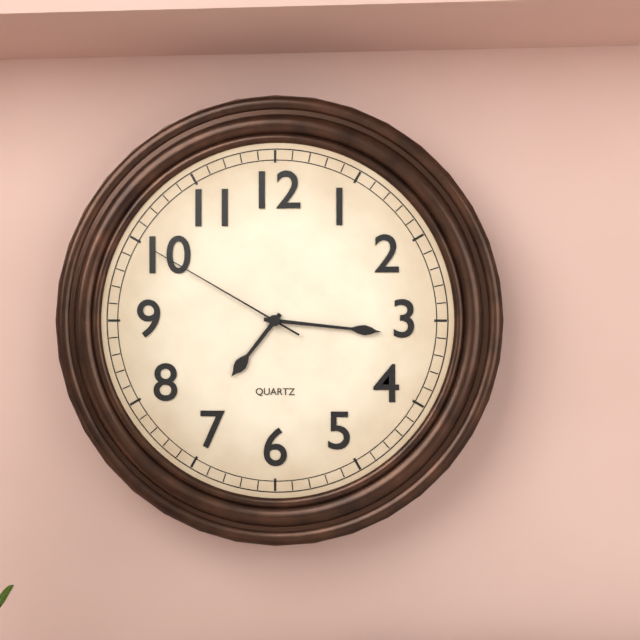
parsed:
7,16,50
